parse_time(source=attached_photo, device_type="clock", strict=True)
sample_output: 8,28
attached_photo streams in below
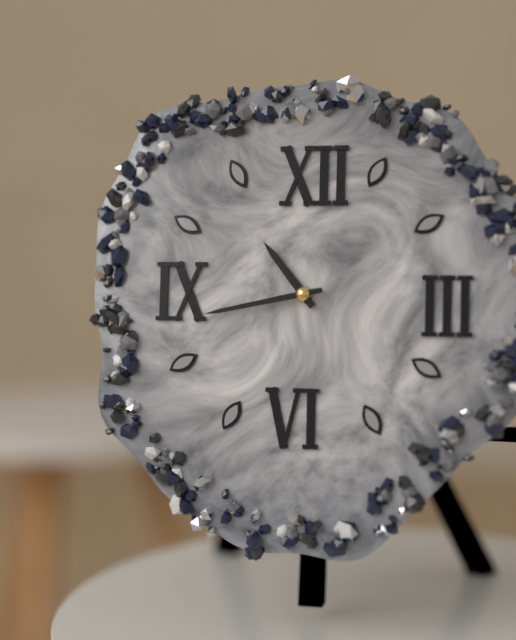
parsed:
10,43
